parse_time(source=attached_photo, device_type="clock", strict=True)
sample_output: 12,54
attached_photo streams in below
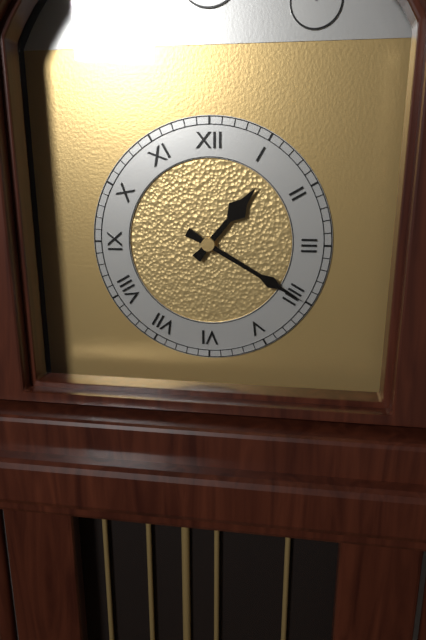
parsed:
1,20
